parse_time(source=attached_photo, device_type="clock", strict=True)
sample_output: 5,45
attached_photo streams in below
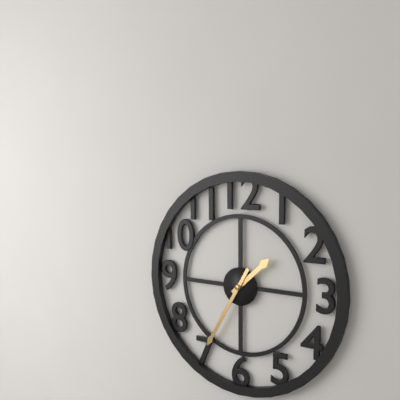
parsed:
1,35
